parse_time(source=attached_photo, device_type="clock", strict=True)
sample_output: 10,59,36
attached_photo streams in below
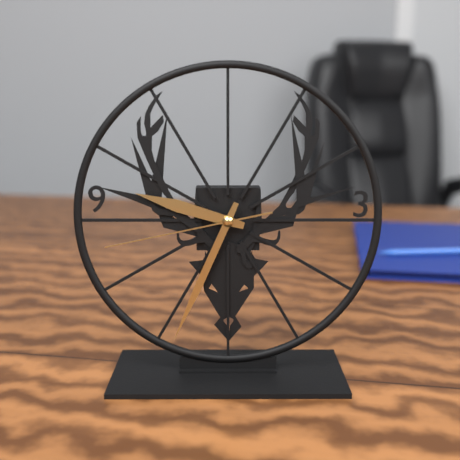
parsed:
9,34,43
